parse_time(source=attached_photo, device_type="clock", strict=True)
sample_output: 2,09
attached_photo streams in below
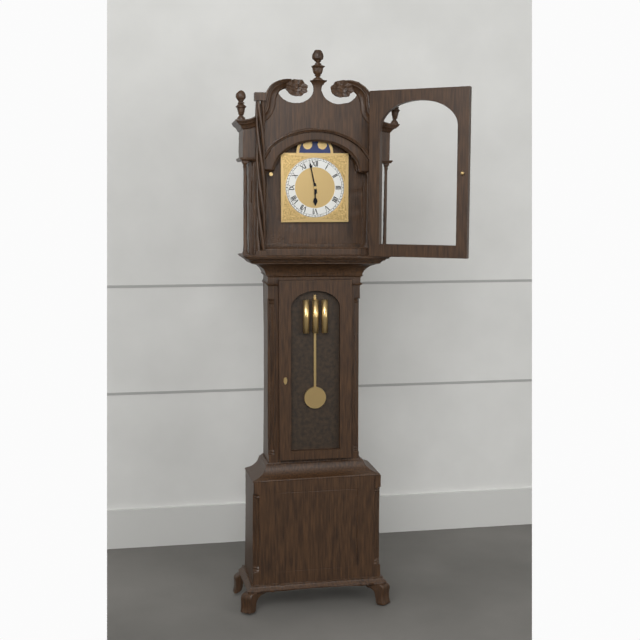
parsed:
5,58
